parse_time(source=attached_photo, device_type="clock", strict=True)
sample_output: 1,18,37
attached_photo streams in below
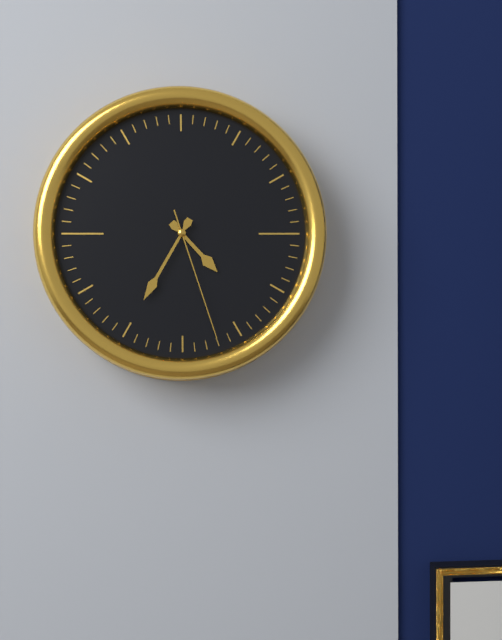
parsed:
4,35,27
